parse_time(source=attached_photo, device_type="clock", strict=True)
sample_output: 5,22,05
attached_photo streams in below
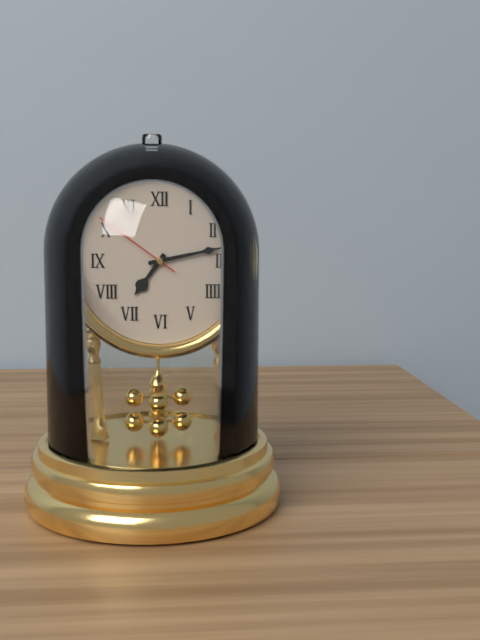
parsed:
7,13,51
